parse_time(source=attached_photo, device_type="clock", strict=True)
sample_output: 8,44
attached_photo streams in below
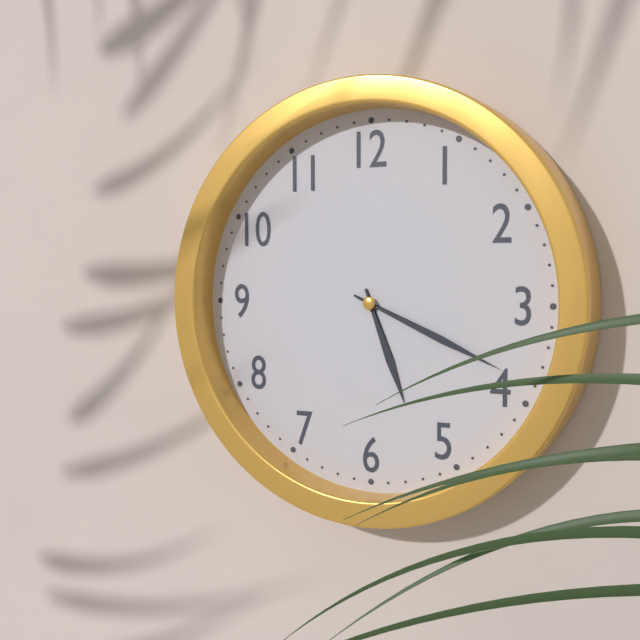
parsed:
5,19
